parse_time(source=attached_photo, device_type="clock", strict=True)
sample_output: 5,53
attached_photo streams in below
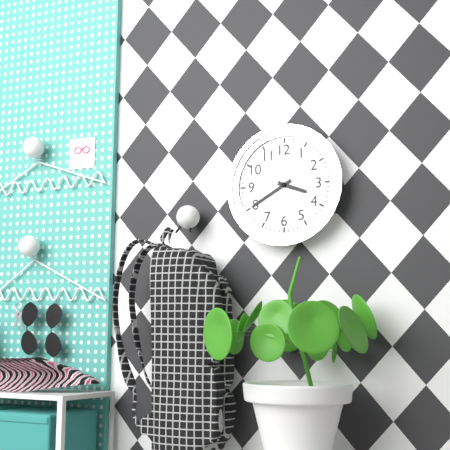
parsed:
3,40
